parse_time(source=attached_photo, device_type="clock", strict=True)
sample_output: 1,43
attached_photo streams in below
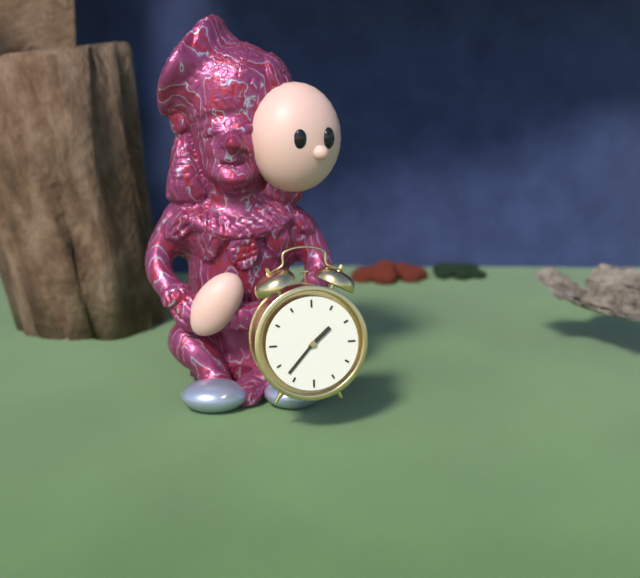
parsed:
1,37
